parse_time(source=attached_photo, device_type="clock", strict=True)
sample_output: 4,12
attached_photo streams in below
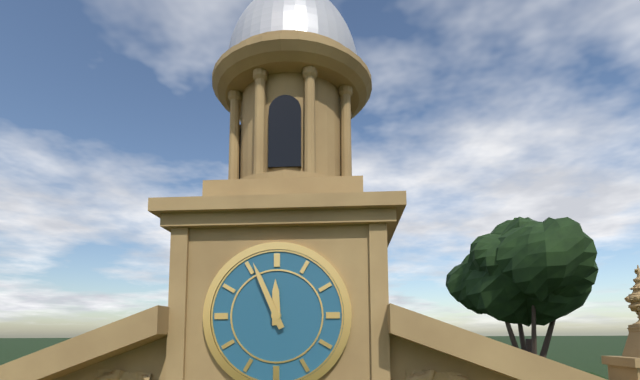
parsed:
11,56
